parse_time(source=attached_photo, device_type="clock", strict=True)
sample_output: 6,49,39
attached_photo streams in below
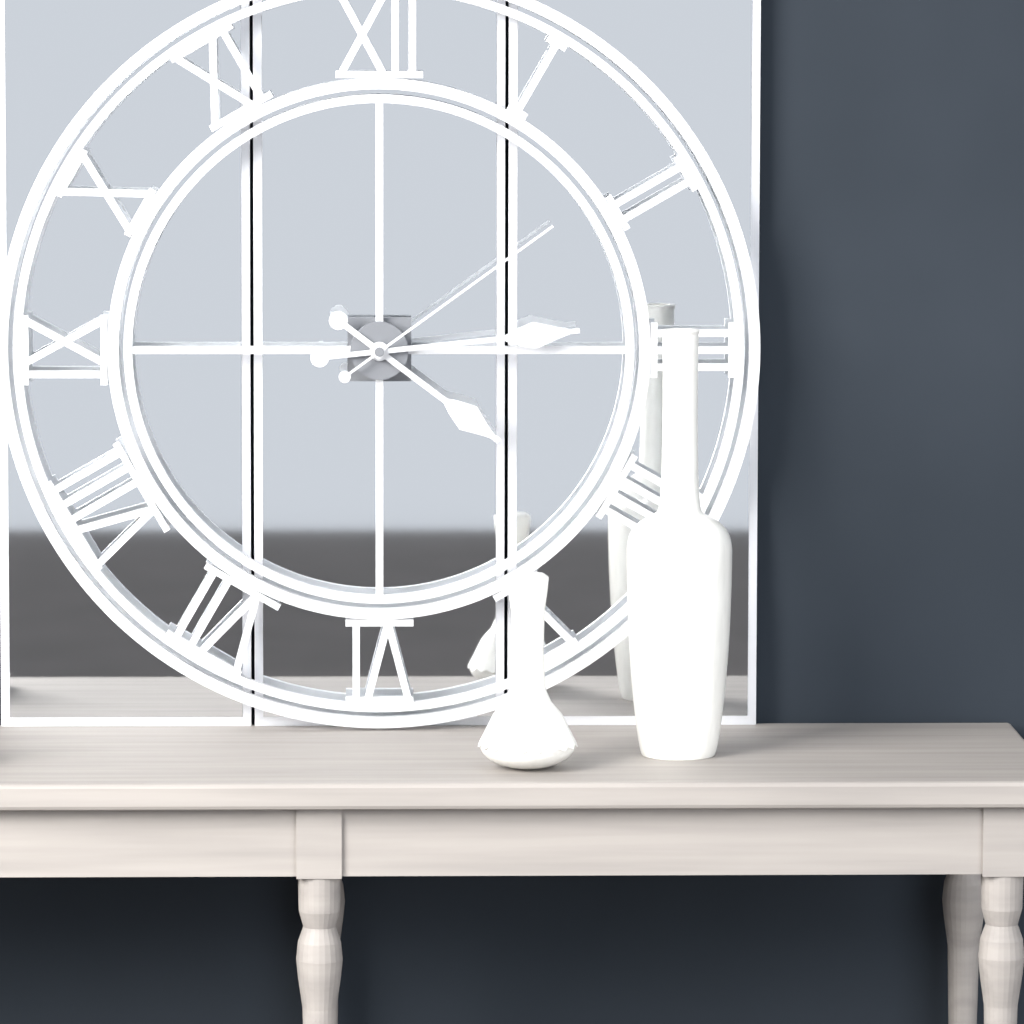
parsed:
4,14,09
